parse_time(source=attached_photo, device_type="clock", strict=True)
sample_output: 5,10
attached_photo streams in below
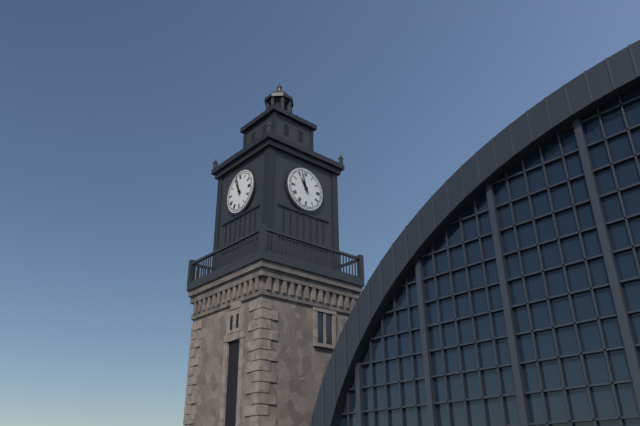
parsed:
10,57
